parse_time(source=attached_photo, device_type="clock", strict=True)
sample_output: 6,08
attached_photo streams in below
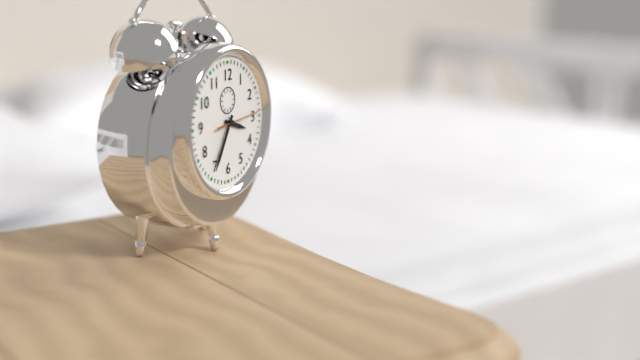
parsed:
3,35
